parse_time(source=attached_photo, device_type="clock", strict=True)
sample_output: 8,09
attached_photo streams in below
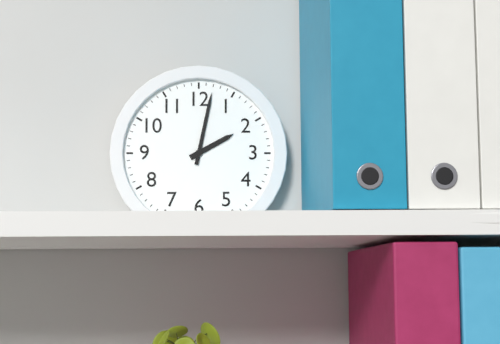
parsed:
2,02
